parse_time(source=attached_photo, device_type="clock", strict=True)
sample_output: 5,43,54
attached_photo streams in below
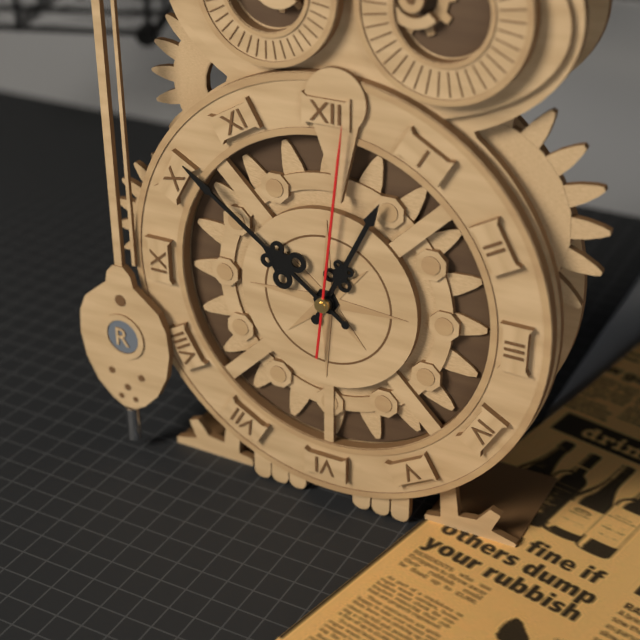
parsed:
12,51,01
